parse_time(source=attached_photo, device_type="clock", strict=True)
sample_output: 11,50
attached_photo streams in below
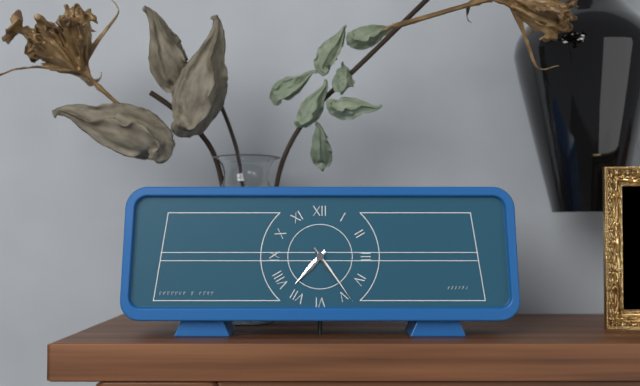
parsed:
7,24
